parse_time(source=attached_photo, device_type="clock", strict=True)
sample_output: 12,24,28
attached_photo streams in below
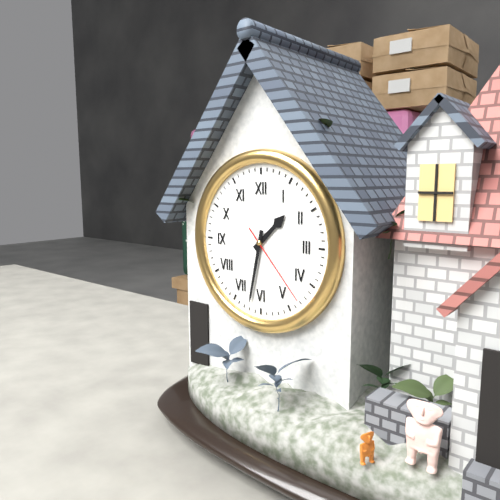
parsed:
1,32,23
